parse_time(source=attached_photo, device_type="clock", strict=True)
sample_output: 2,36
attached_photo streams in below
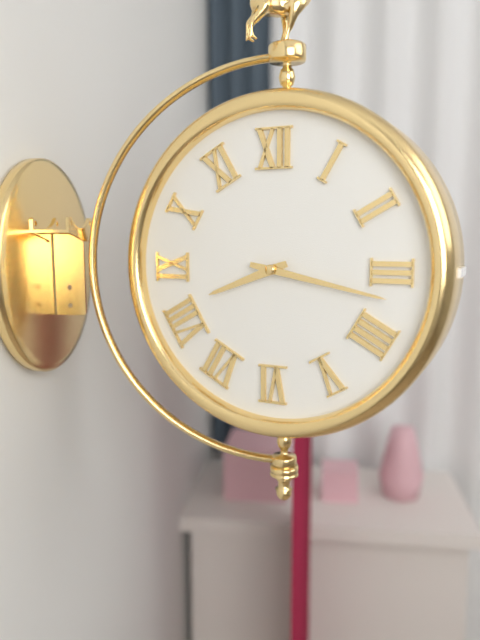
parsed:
8,17
